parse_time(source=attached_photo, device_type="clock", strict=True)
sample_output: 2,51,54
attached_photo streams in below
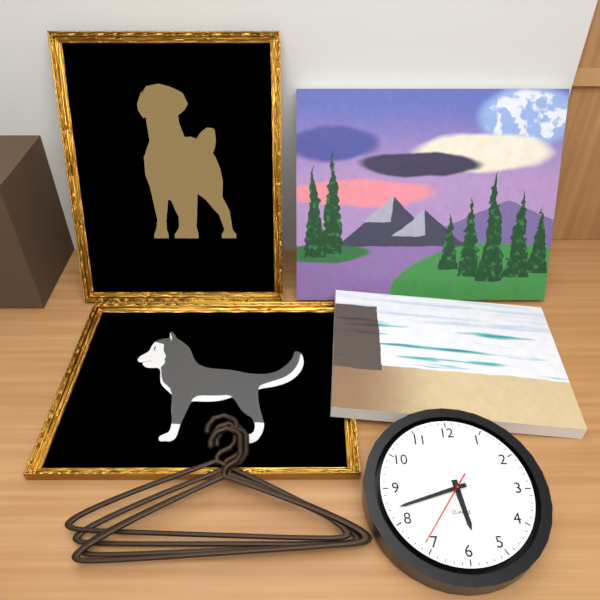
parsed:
5,42,36
